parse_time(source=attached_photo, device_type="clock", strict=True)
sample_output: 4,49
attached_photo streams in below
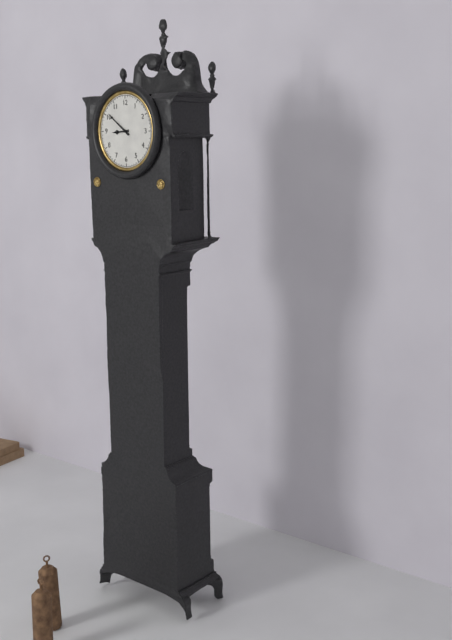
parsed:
8,51
